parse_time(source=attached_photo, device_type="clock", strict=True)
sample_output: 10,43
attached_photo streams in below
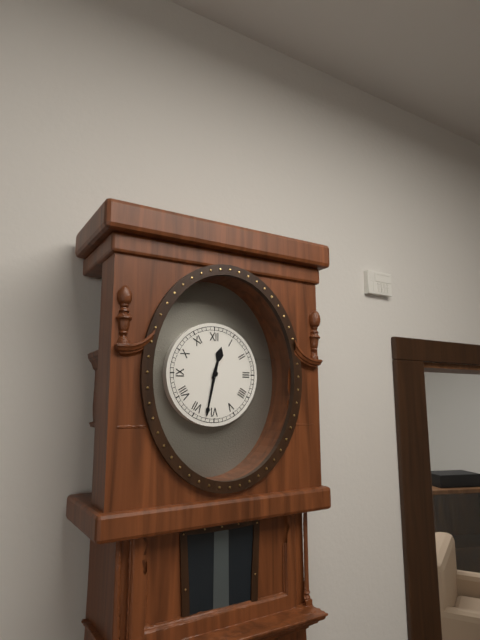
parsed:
12,32
